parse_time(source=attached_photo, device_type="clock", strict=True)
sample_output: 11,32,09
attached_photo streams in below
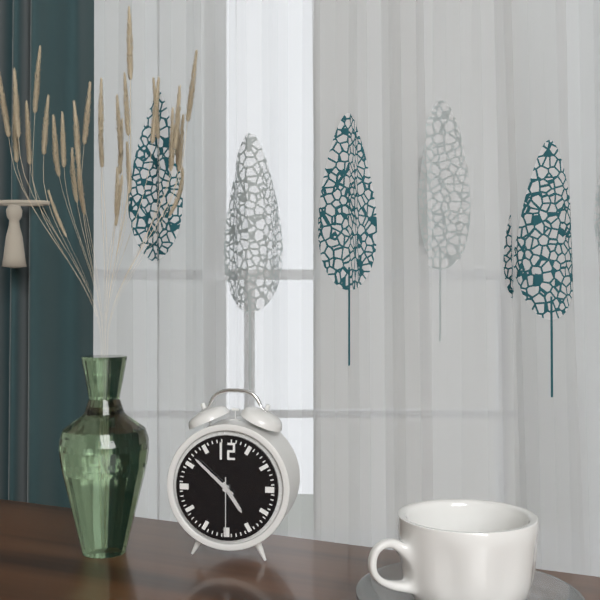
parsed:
4,52,30
